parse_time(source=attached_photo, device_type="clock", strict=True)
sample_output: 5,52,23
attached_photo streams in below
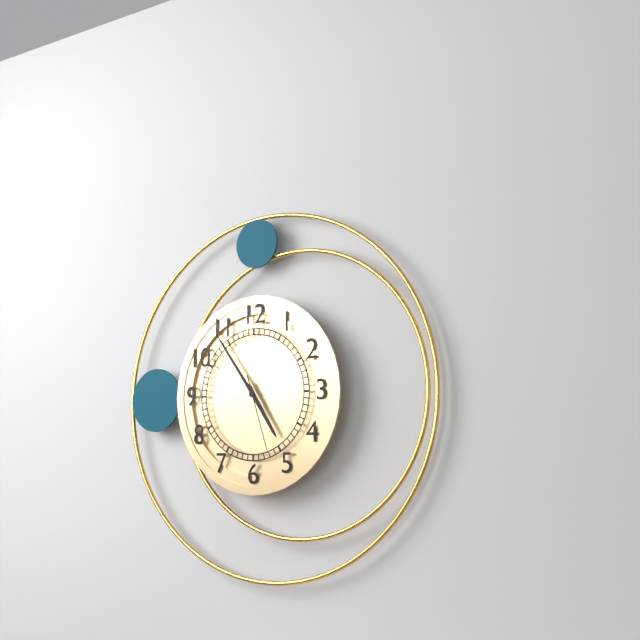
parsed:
4,54,27
